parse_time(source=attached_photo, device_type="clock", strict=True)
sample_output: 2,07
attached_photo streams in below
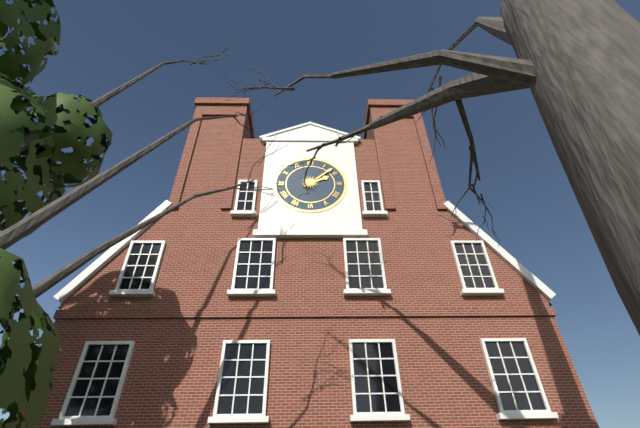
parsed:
2,08
